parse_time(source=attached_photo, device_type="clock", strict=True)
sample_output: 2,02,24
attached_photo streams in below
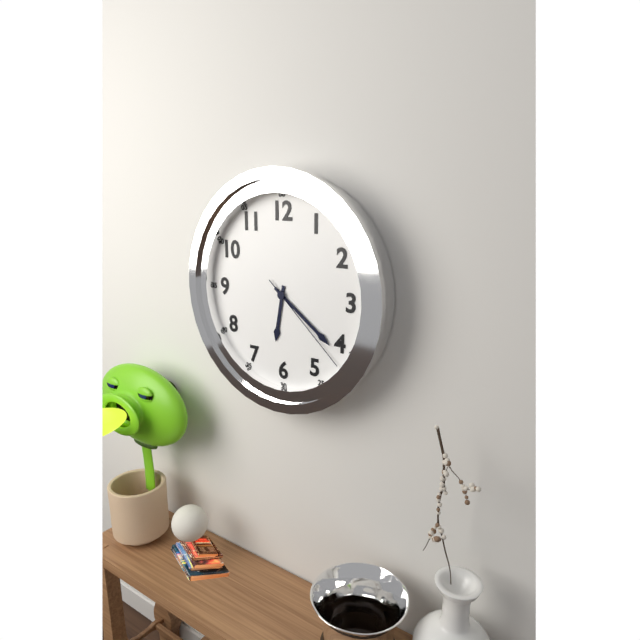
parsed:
6,21,22
